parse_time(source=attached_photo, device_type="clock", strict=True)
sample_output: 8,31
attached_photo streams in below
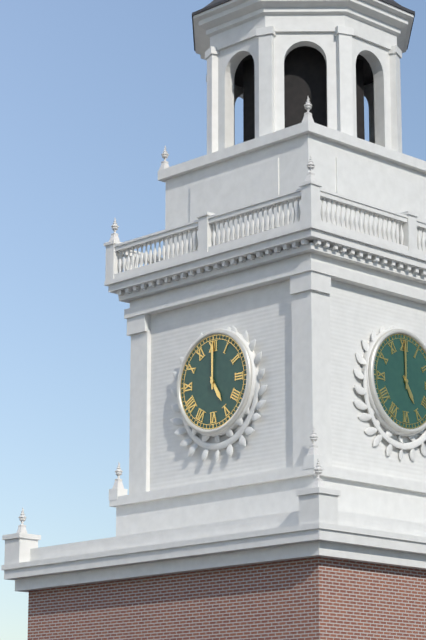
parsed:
5,00
